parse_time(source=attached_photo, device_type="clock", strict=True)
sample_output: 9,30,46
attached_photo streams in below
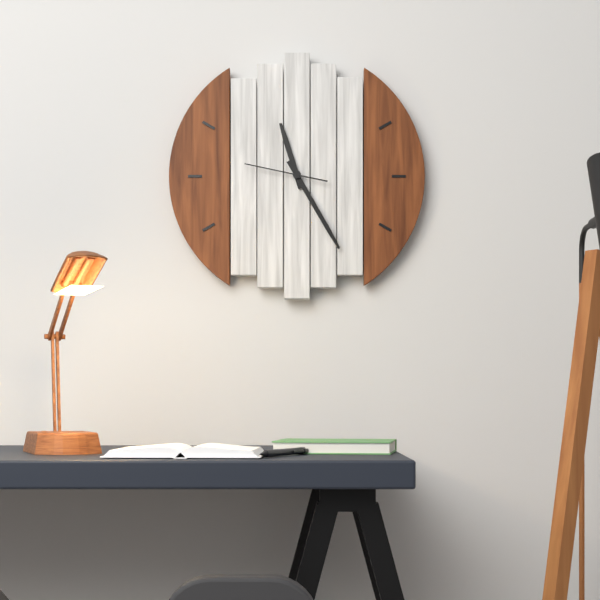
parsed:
11,25,47
